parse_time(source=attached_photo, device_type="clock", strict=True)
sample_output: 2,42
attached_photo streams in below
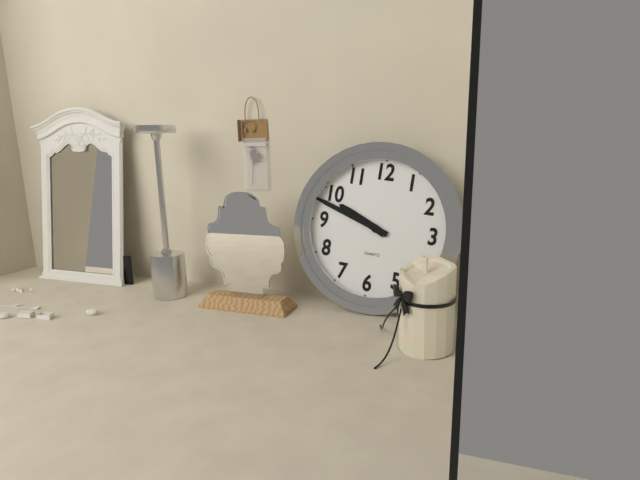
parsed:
9,48
